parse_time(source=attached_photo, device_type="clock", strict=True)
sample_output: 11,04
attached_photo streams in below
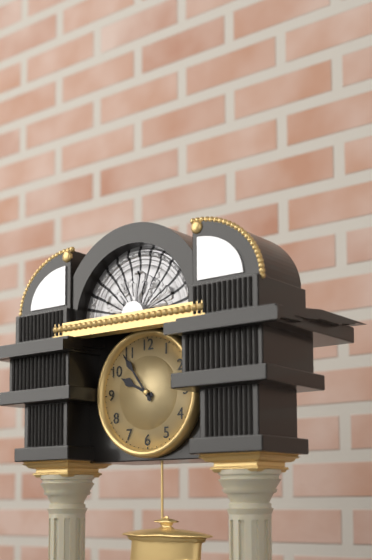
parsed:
9,54
